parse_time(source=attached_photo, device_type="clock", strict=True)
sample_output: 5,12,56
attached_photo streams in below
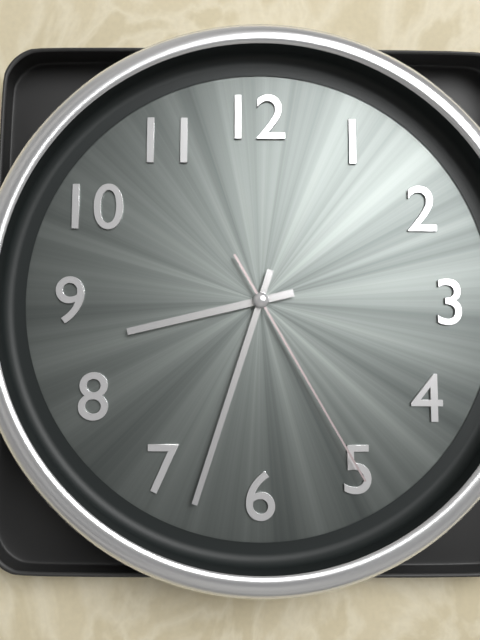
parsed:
8,33,25
